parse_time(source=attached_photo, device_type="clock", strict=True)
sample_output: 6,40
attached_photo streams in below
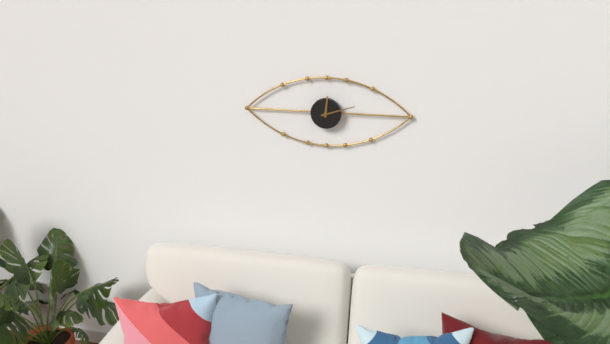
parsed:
12,12
